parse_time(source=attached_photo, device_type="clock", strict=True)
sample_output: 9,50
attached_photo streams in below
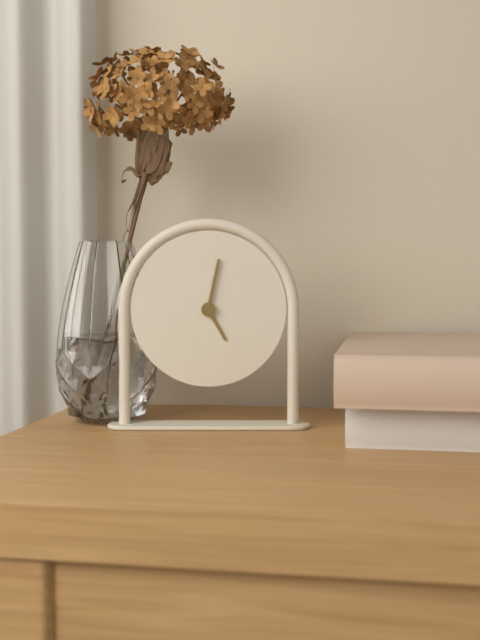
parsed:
5,02
